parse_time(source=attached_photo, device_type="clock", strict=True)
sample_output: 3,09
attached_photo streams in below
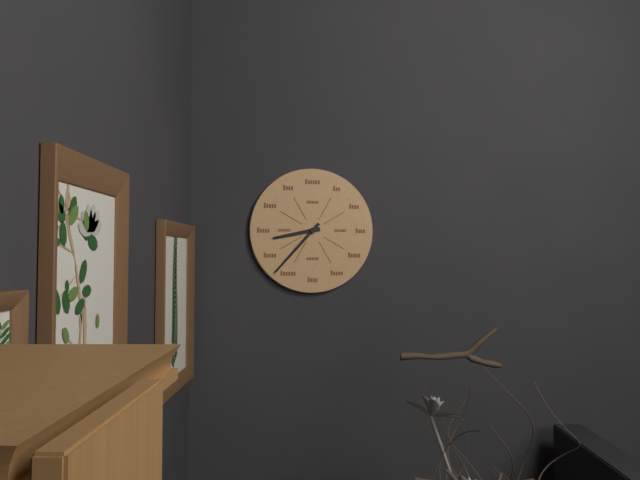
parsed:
8,37
